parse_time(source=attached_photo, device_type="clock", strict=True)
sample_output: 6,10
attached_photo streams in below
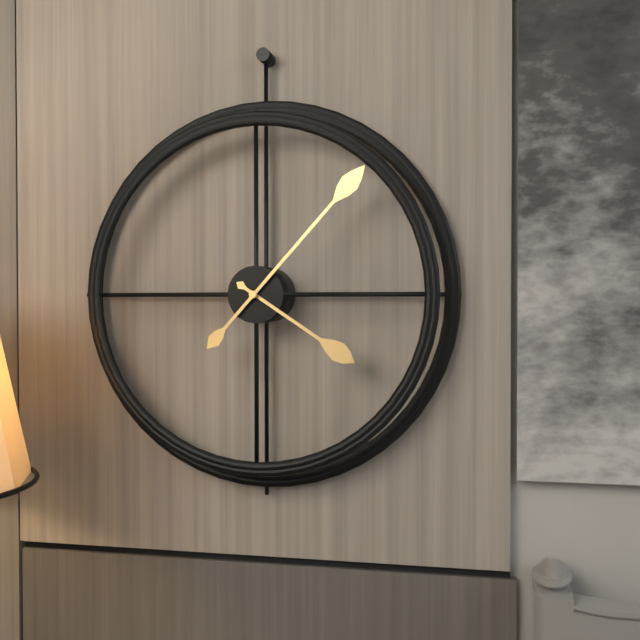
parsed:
4,07
